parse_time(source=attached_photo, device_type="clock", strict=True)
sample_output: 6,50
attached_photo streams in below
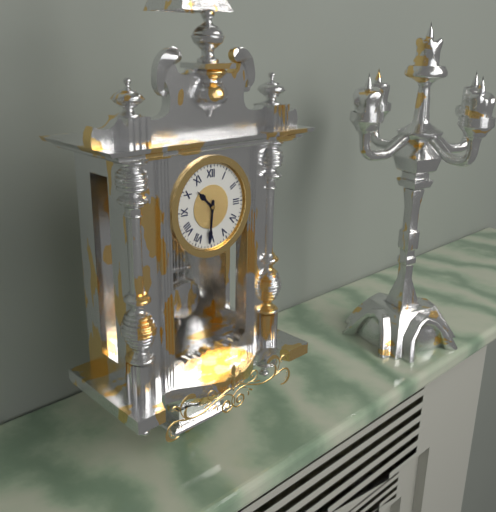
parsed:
10,31
